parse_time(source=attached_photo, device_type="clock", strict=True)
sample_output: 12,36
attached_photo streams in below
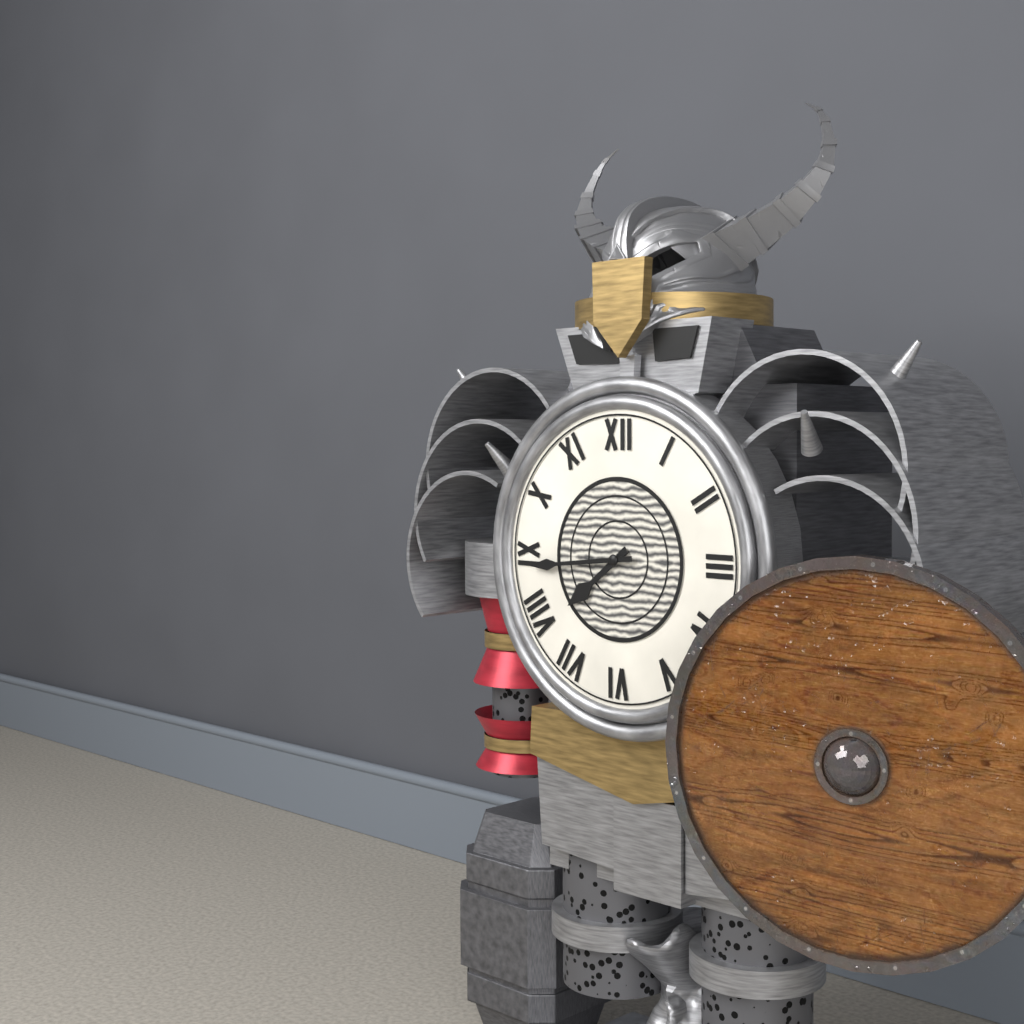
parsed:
7,44
